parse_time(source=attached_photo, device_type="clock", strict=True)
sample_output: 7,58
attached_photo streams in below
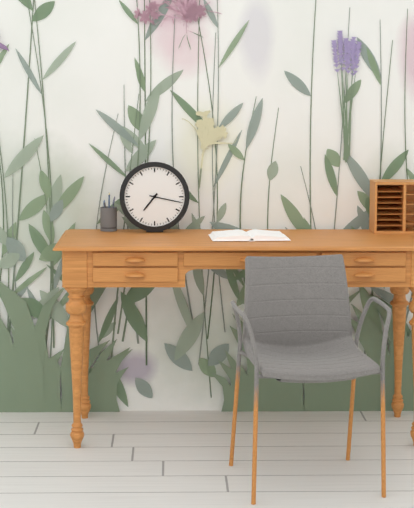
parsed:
7,17
